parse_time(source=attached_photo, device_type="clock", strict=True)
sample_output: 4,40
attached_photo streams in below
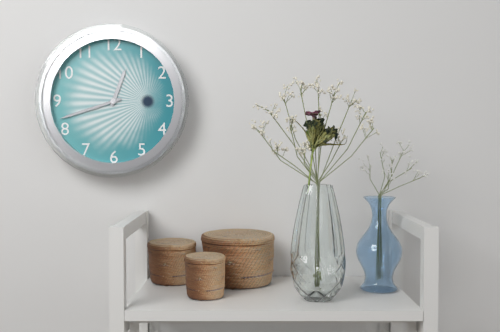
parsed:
12,42
